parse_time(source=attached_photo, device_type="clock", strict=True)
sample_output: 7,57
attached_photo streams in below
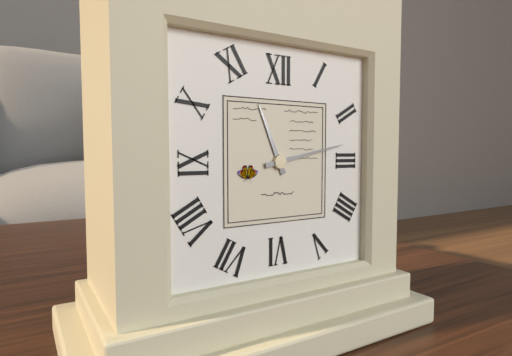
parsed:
11,13
